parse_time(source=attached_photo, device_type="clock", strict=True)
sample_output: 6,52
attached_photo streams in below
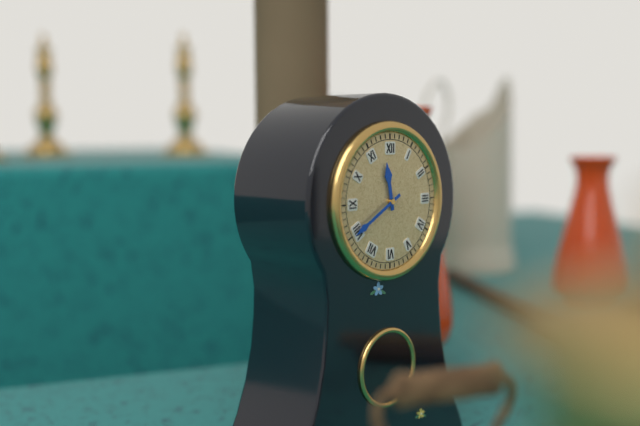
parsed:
11,40
